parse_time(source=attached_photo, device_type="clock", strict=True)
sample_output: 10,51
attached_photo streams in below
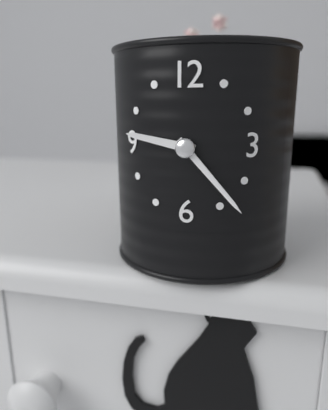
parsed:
9,23
